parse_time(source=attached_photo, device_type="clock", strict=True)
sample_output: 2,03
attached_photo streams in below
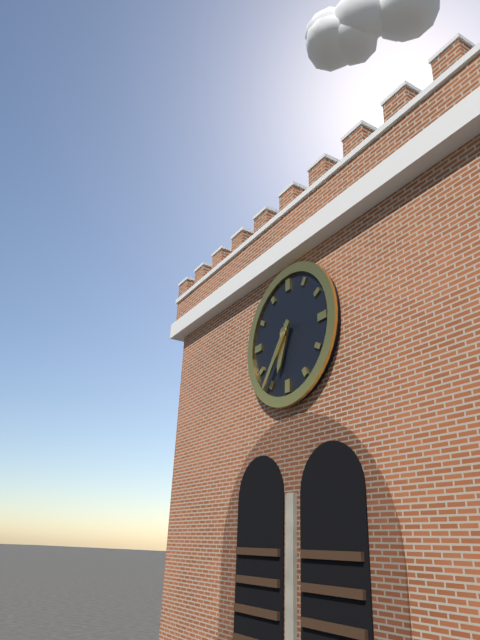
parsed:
6,36
